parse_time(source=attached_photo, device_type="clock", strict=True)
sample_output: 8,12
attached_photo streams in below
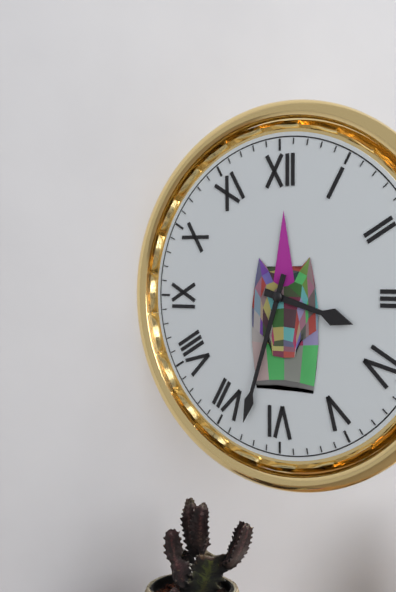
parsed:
3,33
